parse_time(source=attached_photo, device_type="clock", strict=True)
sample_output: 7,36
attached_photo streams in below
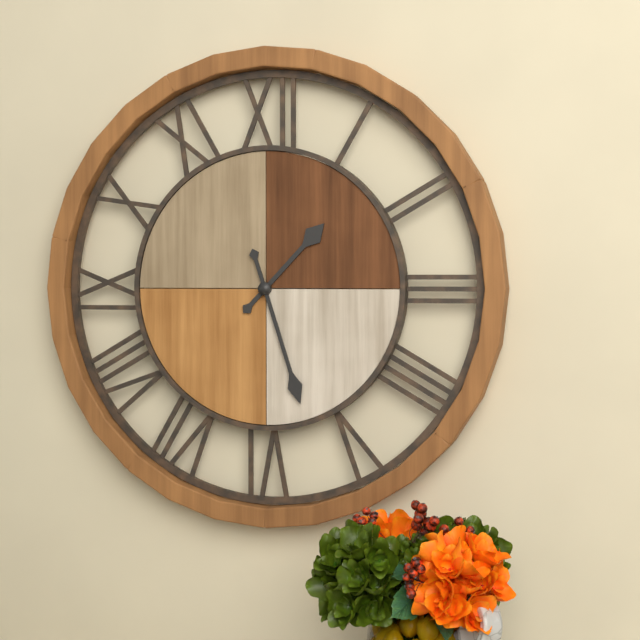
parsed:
1,27
